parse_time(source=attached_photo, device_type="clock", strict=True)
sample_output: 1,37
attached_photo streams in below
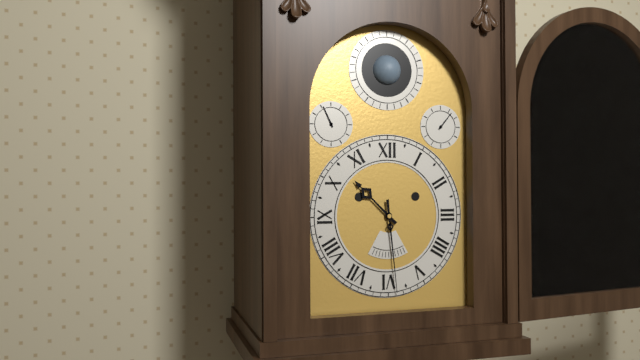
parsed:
10,29
